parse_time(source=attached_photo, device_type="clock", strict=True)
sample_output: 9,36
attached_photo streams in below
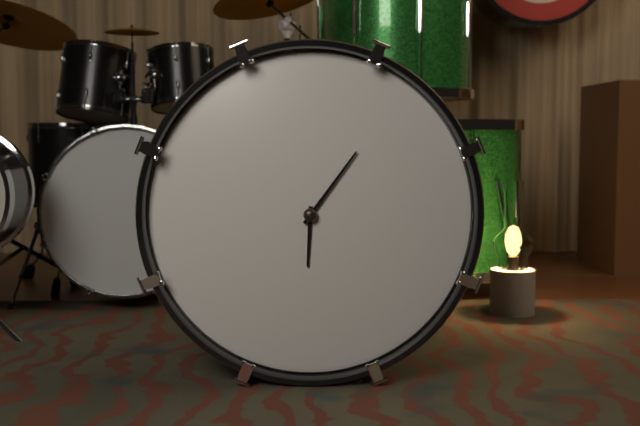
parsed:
6,06
